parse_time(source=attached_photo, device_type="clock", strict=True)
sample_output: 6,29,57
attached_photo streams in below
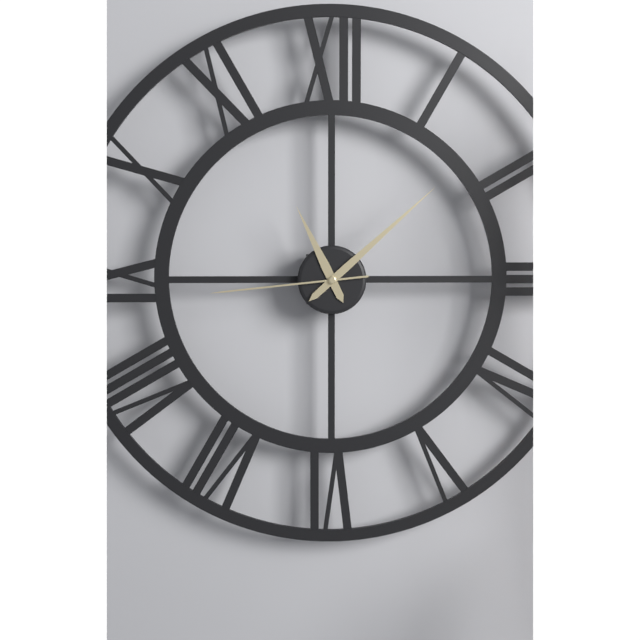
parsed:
11,08,44
